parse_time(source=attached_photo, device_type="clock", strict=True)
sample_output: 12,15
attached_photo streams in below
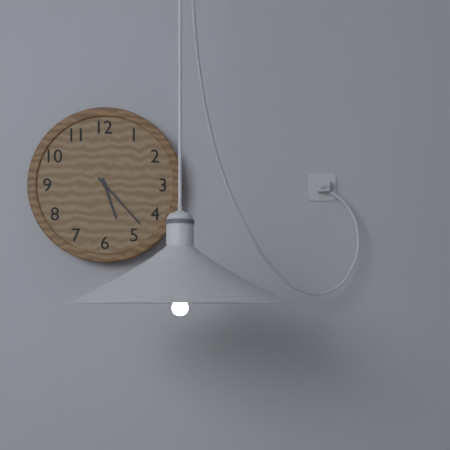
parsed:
5,23
